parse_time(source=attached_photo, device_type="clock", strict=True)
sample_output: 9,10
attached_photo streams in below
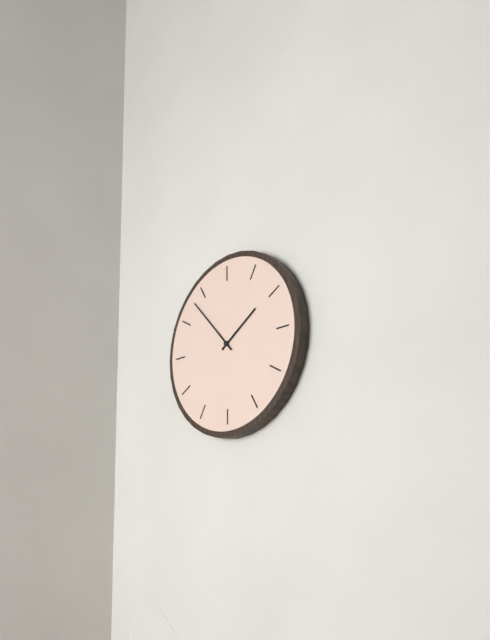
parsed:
1,53
